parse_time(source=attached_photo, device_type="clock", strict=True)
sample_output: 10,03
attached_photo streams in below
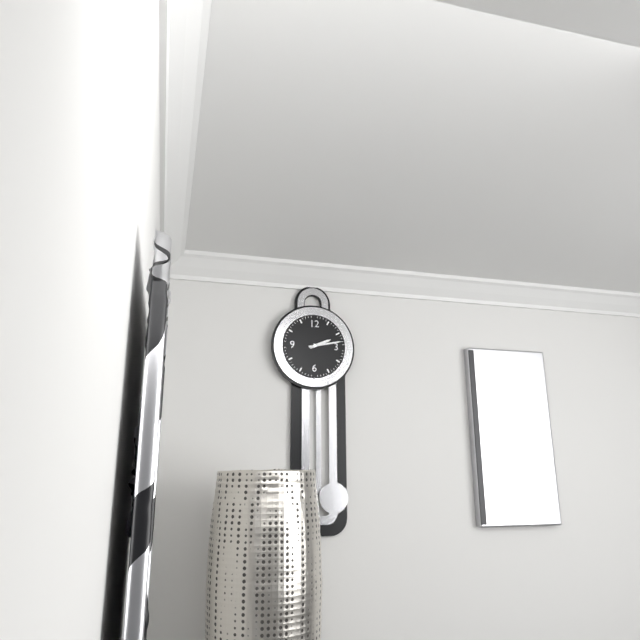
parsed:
2,13
